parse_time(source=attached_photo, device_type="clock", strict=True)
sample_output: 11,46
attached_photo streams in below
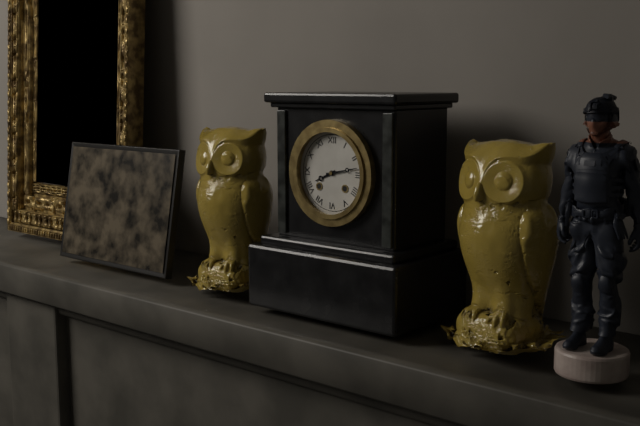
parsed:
8,13
